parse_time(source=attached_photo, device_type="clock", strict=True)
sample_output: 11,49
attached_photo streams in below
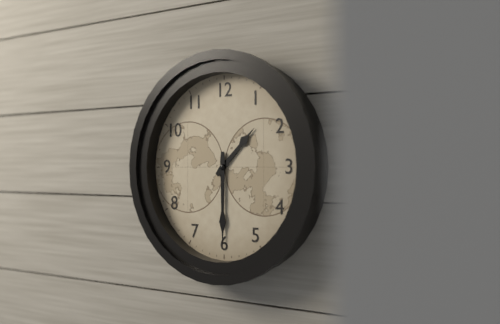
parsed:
1,30
